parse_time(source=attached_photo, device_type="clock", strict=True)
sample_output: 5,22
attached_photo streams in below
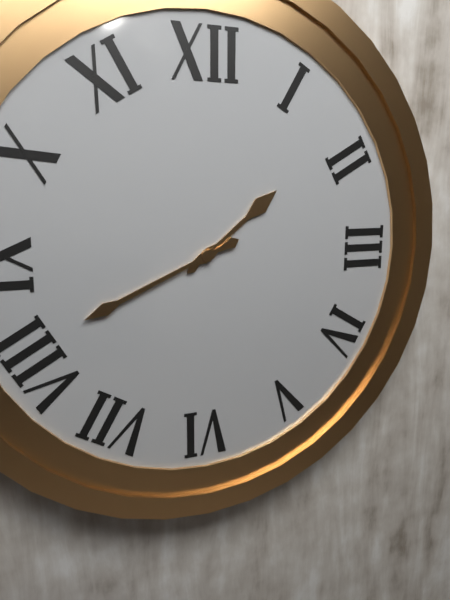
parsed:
1,41
